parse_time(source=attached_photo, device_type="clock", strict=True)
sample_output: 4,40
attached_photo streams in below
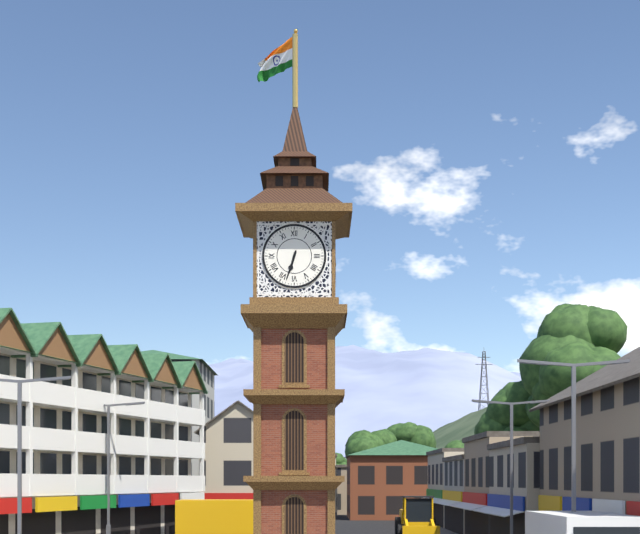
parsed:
6,33
